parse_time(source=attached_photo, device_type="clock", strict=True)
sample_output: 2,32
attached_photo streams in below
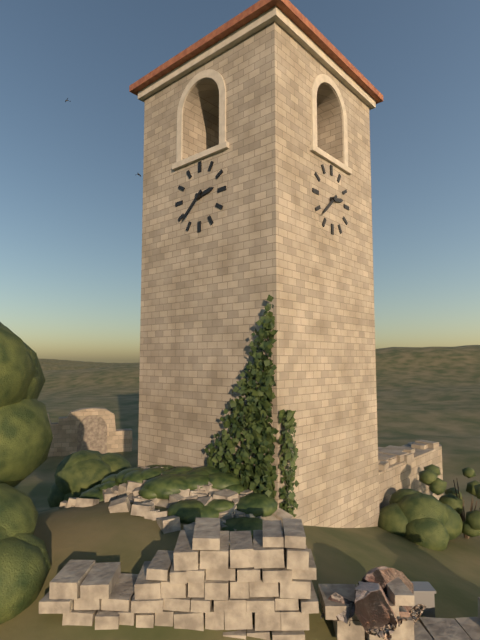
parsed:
2,38
